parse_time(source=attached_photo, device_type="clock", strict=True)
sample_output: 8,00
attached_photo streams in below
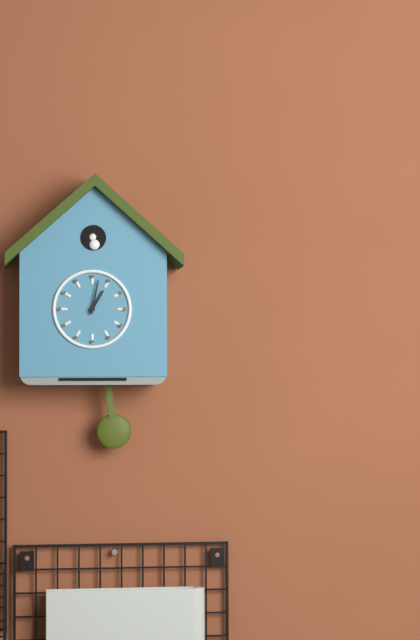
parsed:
1,02
